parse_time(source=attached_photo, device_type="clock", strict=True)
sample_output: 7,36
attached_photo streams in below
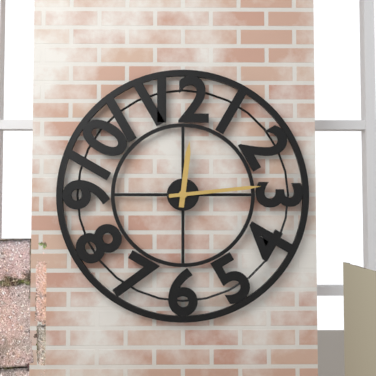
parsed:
12,14
